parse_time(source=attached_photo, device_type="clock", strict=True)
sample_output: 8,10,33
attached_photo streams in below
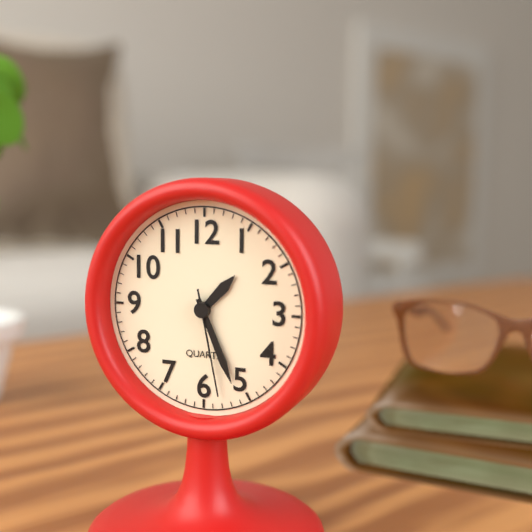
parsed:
1,26,28
